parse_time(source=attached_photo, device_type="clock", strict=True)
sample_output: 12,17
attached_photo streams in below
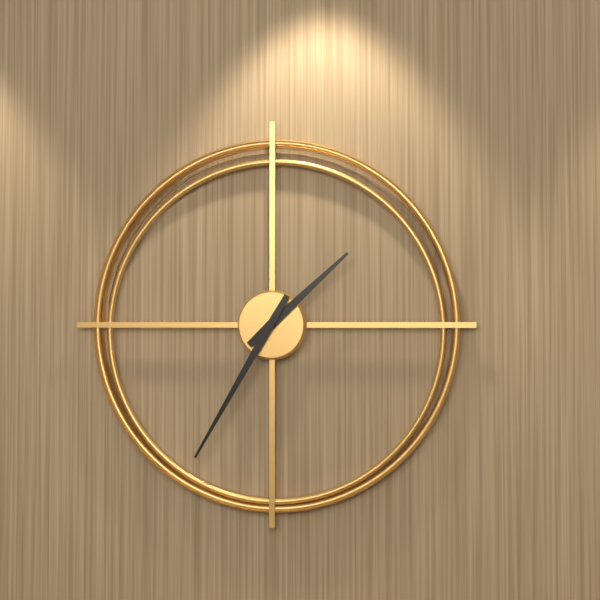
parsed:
1,35
